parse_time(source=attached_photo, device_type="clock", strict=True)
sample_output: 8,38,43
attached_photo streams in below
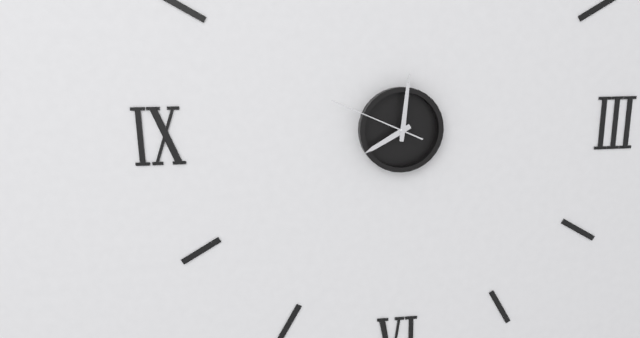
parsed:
8,01,49
